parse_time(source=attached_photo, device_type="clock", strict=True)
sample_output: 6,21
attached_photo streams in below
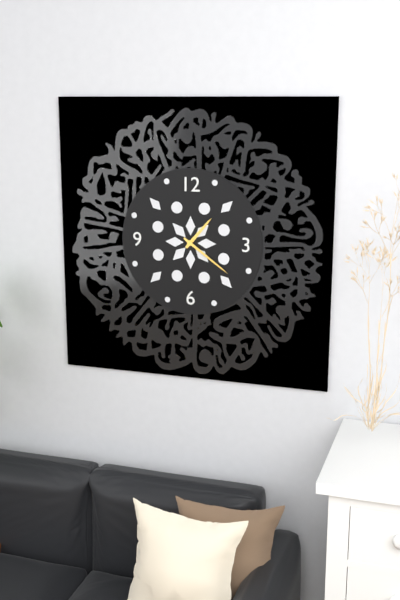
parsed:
1,21
